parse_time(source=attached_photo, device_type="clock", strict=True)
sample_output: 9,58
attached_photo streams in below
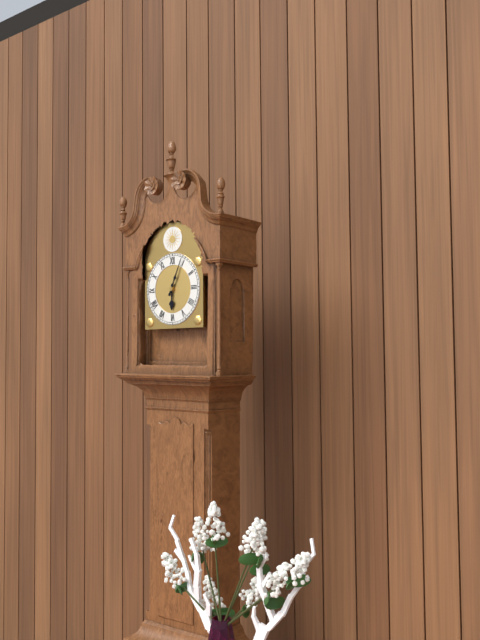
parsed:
6,04
